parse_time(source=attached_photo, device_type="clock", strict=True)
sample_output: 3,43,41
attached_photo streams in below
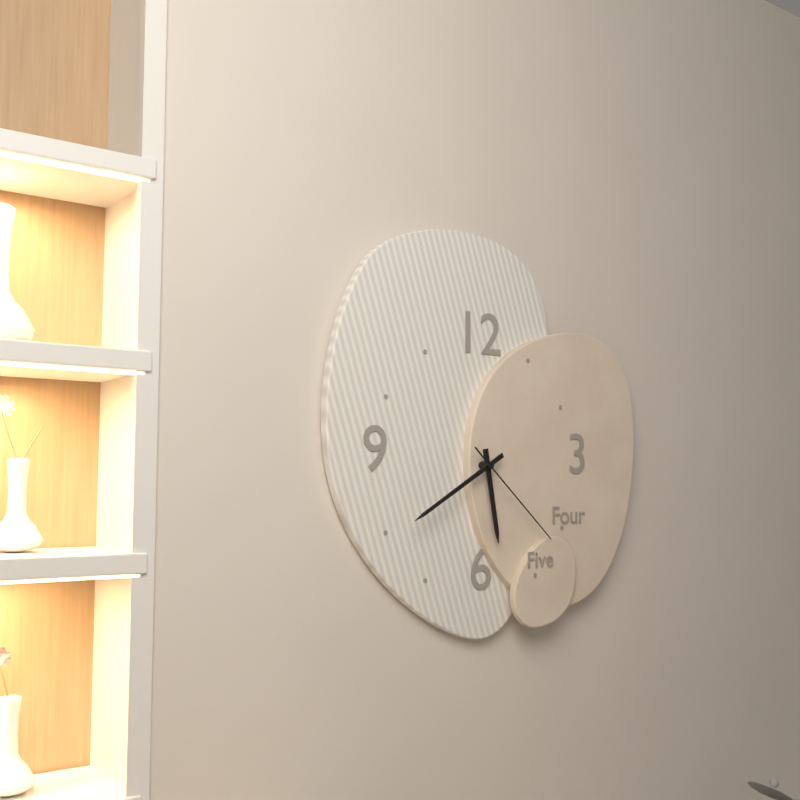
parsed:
5,40,22
